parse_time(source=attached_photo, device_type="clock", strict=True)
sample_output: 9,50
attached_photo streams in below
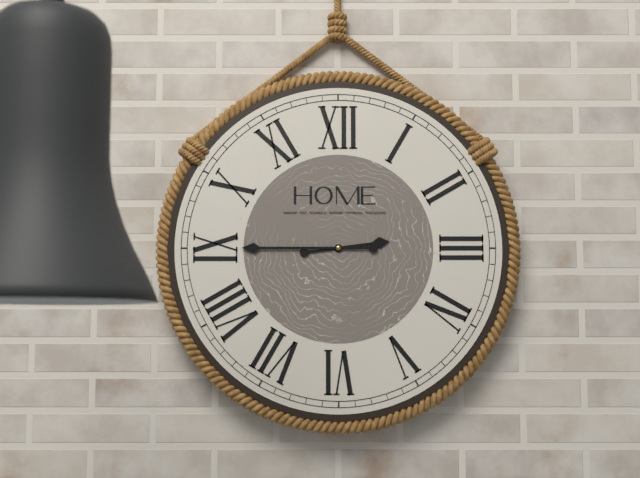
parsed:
2,45
